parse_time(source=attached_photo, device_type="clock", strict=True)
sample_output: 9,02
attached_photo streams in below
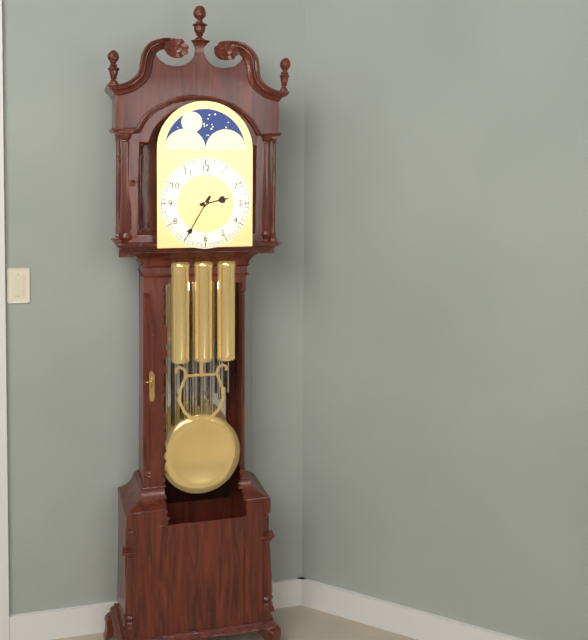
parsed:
2,35
